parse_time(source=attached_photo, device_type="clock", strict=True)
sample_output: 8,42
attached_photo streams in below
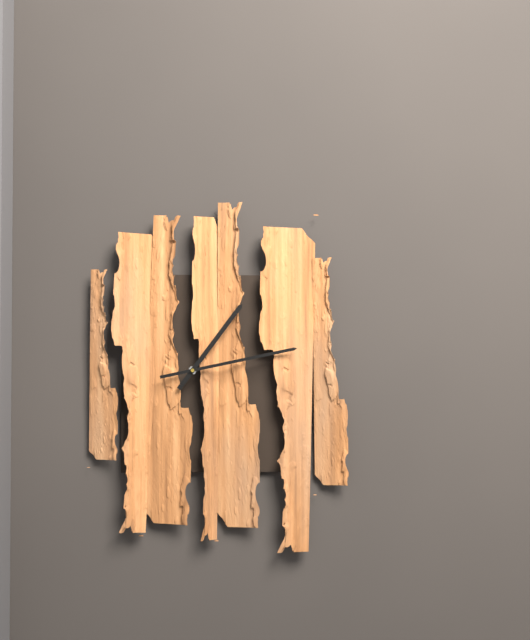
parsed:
1,13
